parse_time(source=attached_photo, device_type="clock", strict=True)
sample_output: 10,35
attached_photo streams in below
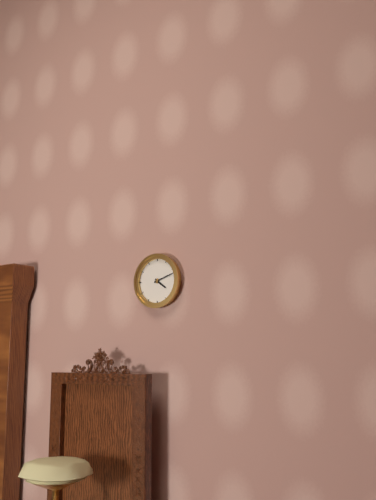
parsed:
4,12
